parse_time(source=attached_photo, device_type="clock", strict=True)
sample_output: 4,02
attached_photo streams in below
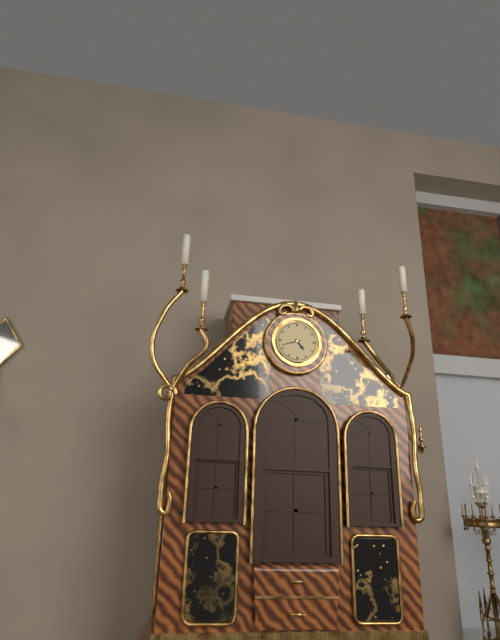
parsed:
4,42
